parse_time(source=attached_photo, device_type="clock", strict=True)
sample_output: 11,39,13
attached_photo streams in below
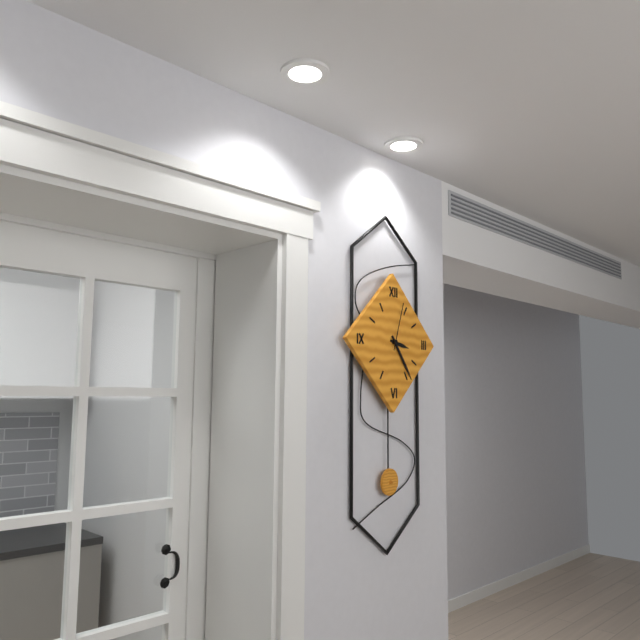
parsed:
3,24,03
